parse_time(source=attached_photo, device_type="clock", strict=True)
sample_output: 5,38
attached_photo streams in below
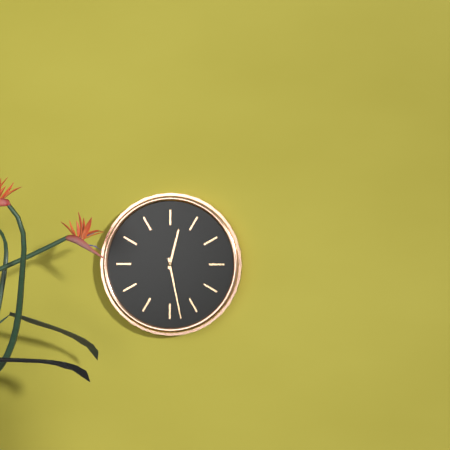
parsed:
12,28
